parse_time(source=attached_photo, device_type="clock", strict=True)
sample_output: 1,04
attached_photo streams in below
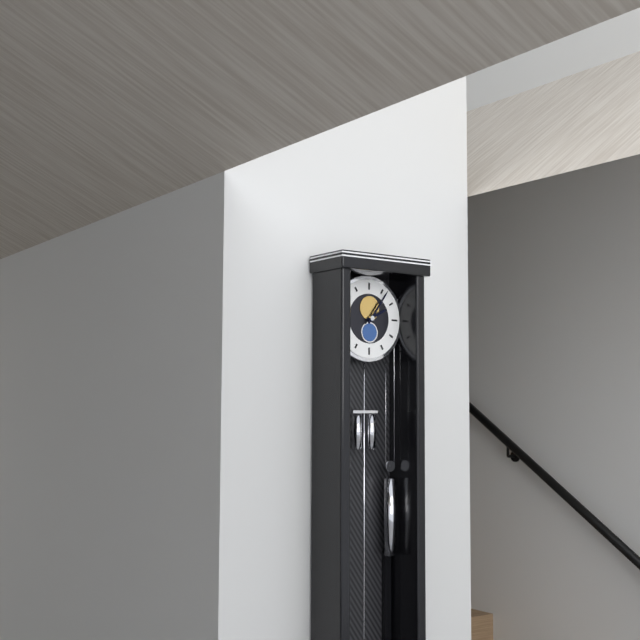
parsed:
2,06
